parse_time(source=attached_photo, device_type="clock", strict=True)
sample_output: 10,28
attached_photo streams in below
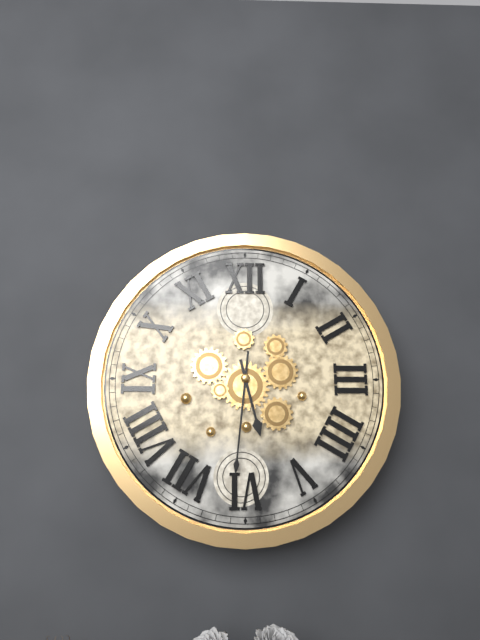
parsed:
5,31
